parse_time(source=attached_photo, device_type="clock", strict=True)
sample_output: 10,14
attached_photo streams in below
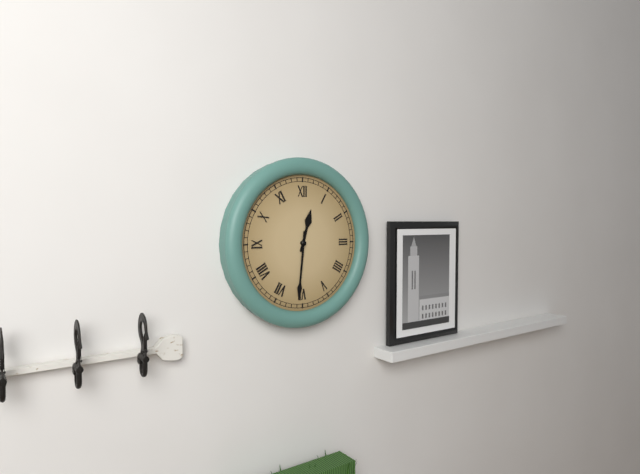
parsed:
12,31
